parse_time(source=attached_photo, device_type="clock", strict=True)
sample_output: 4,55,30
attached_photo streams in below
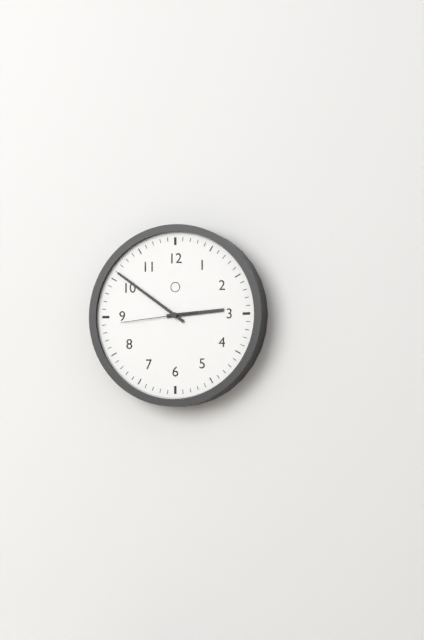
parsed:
2,51,44
